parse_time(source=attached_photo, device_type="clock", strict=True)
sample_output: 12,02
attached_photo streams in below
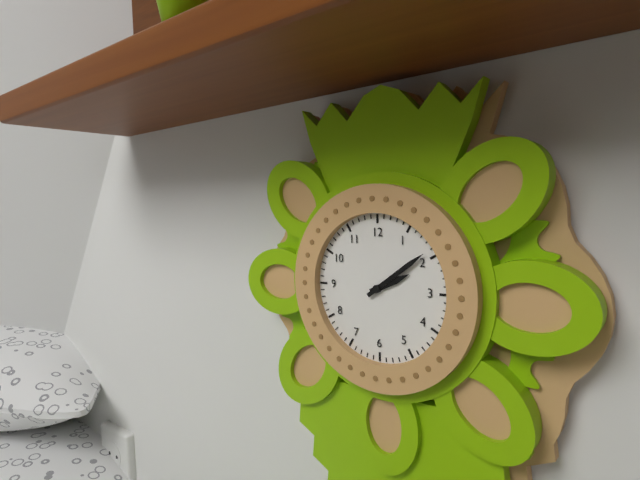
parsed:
2,09
